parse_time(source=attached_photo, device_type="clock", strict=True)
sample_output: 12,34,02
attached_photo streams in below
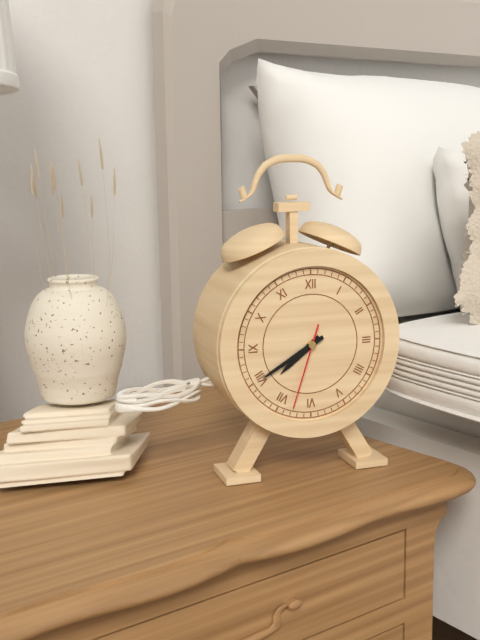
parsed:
7,40,33
